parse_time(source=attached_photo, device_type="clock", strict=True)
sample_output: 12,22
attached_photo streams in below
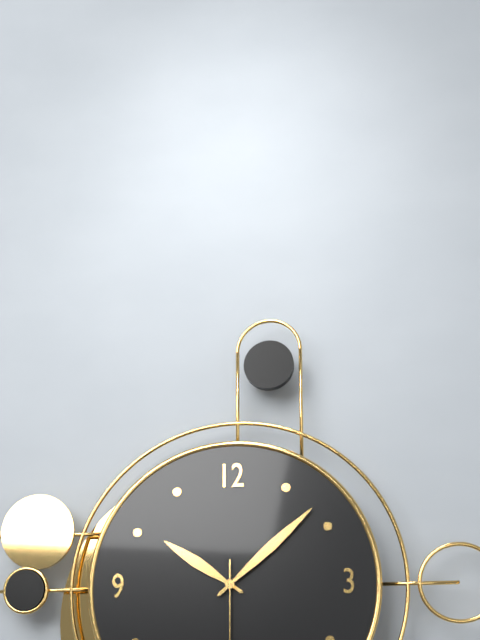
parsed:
10,08
